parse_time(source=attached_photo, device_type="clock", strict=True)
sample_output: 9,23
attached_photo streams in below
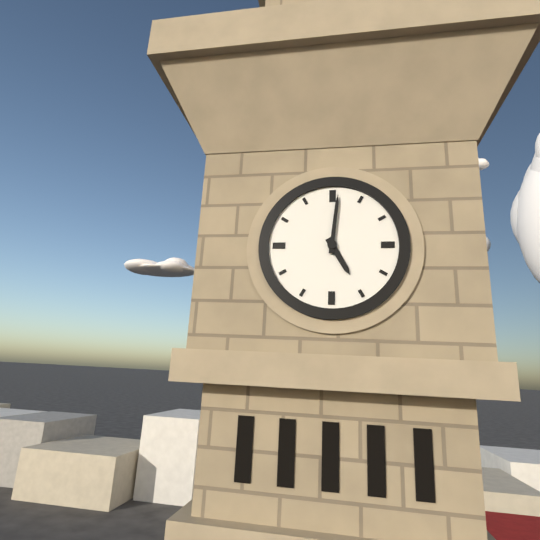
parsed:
5,01
